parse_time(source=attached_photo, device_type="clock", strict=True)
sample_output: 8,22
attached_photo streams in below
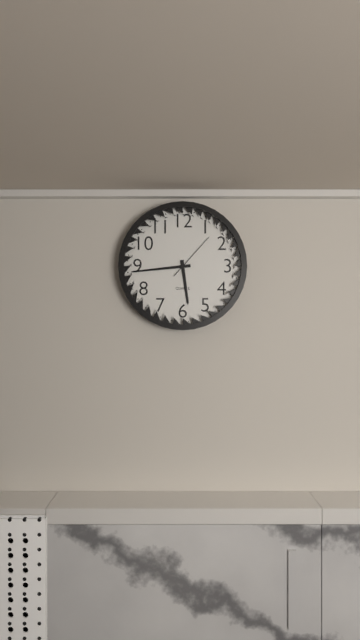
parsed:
5,44
